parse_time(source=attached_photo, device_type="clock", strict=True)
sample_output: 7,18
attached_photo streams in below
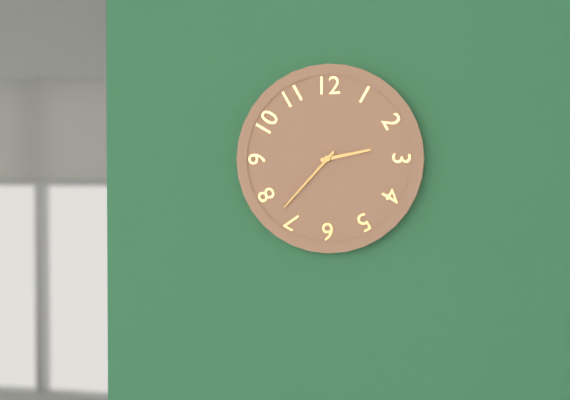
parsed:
2,37
